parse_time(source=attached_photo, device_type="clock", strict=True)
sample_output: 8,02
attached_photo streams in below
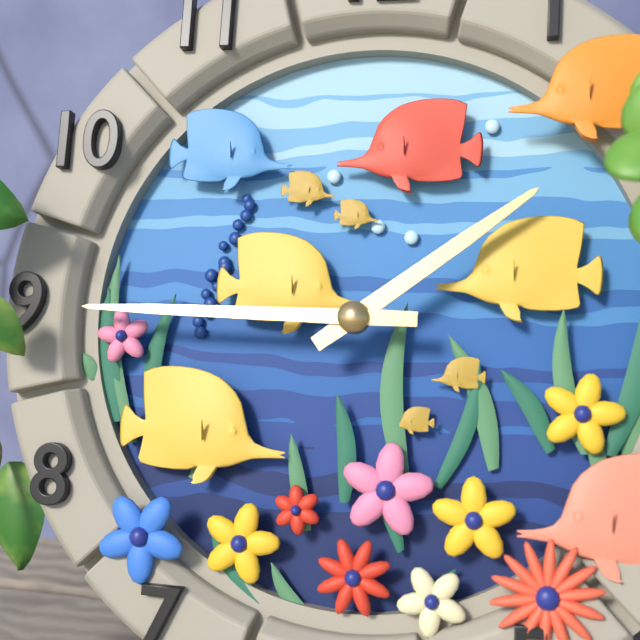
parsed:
1,45
